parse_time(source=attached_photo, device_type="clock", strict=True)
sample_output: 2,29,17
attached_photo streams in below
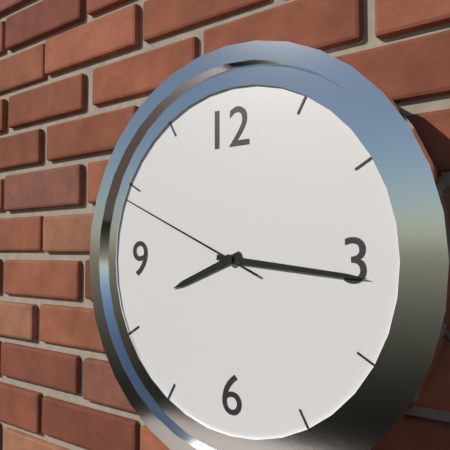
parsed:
8,16,49
